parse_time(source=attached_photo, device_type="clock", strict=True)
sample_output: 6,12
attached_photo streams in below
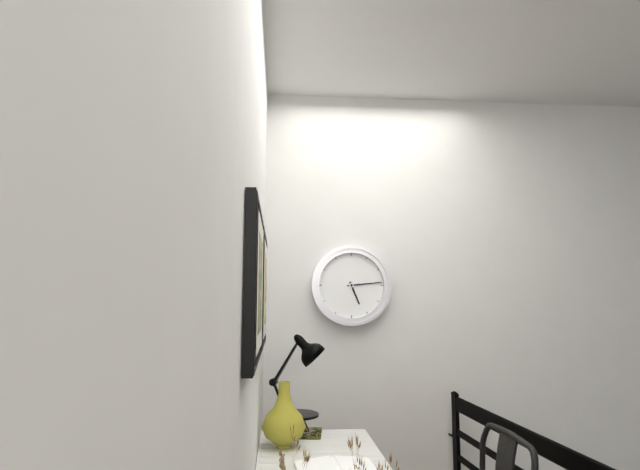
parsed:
5,14
